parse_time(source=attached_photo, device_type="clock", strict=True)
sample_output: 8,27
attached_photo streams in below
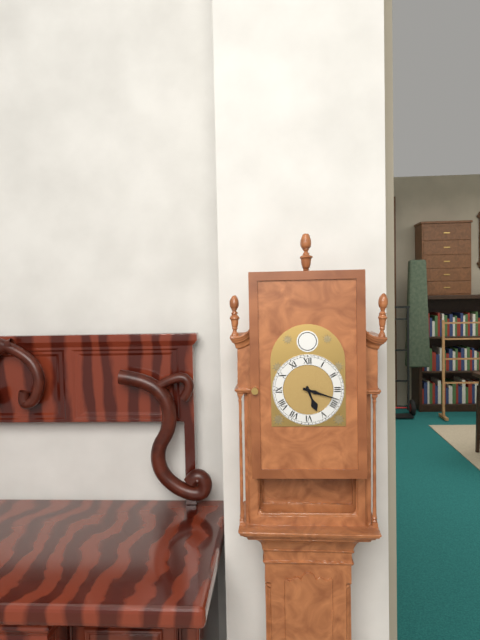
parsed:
5,18
